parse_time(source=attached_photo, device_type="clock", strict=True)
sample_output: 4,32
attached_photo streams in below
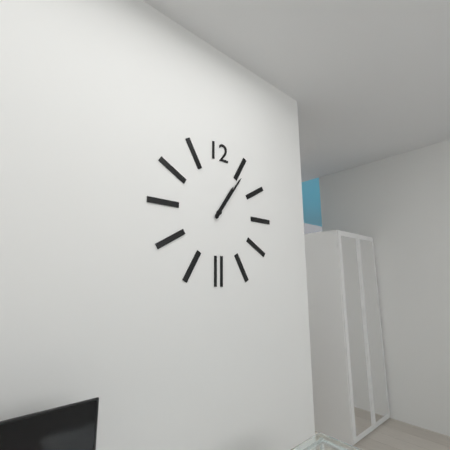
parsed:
1,06
